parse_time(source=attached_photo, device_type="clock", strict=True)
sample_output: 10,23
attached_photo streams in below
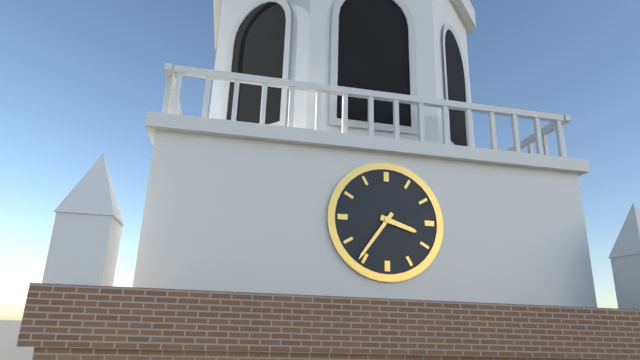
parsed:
3,36
